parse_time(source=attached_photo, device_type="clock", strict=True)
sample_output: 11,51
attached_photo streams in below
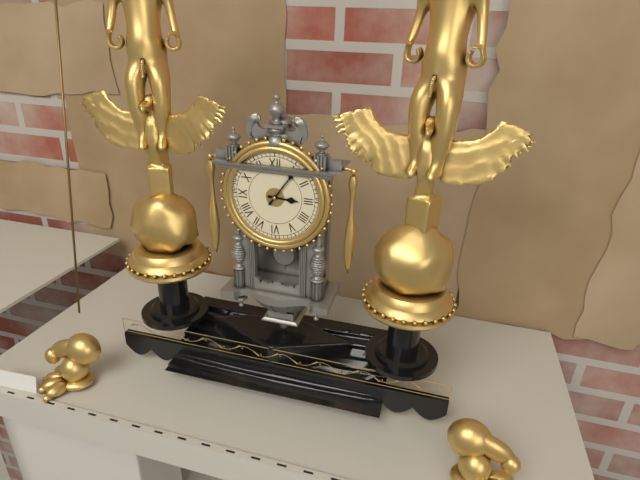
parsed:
3,06
